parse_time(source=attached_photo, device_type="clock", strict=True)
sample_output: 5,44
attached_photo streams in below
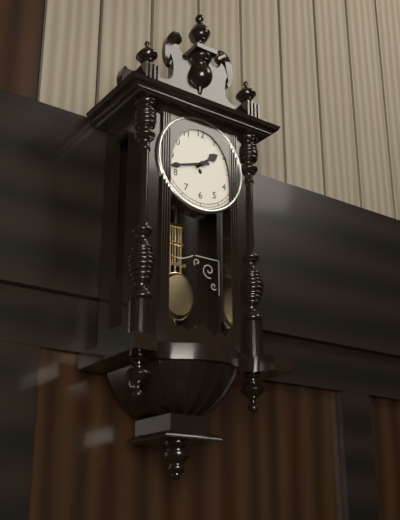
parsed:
1,42
